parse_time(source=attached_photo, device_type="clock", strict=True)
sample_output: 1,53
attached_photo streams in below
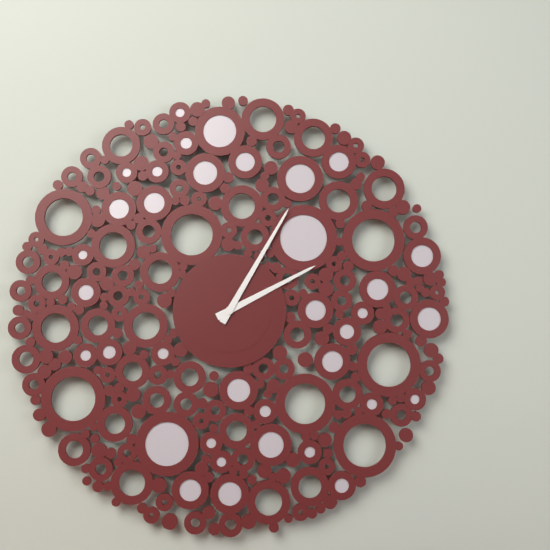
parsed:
2,05
